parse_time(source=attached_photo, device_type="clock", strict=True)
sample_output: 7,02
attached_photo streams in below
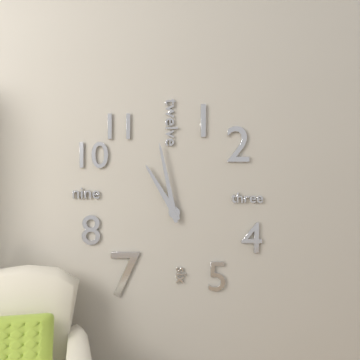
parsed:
10,58
